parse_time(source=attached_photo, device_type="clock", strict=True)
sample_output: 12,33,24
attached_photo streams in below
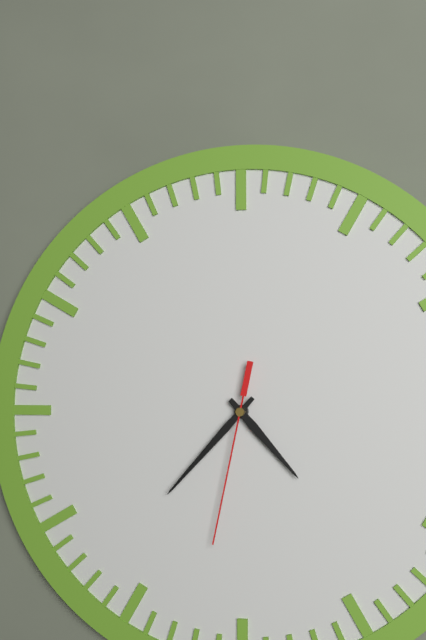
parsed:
4,37,32
